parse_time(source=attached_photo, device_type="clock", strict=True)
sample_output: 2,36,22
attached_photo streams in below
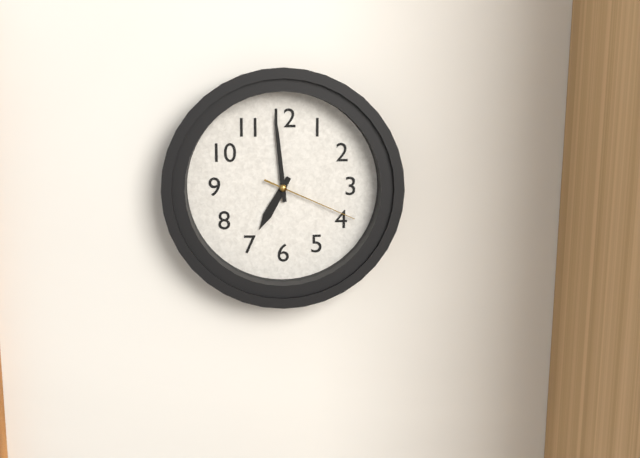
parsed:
6,59,19
